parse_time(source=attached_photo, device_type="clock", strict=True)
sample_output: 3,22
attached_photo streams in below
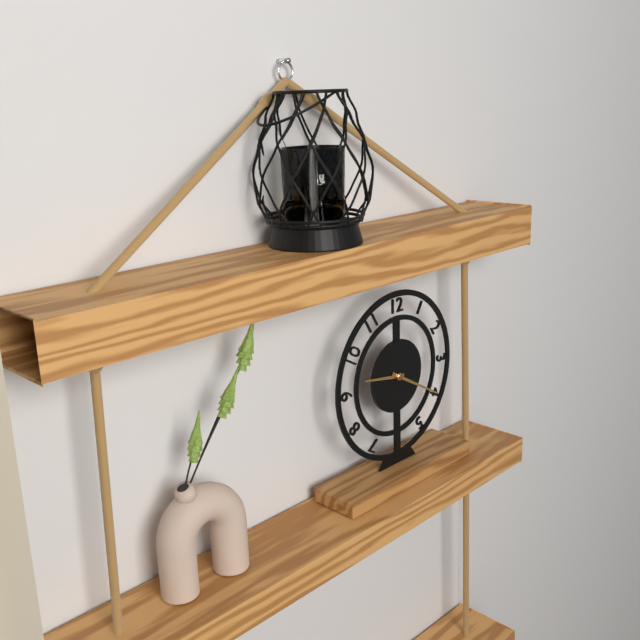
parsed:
9,20
